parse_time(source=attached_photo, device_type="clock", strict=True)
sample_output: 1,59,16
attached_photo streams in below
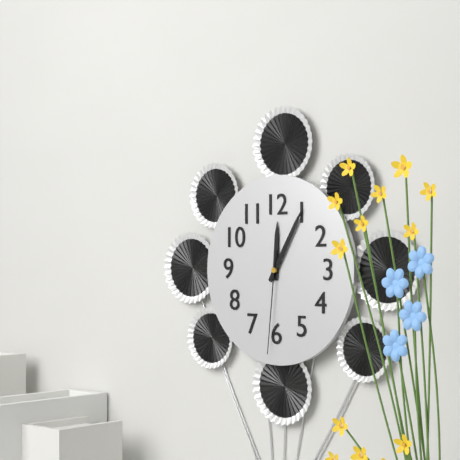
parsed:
12,05,31
